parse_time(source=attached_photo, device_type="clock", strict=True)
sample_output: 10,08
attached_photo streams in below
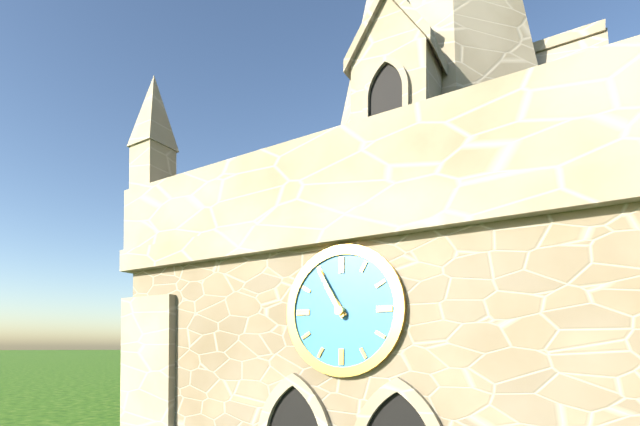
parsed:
10,55
